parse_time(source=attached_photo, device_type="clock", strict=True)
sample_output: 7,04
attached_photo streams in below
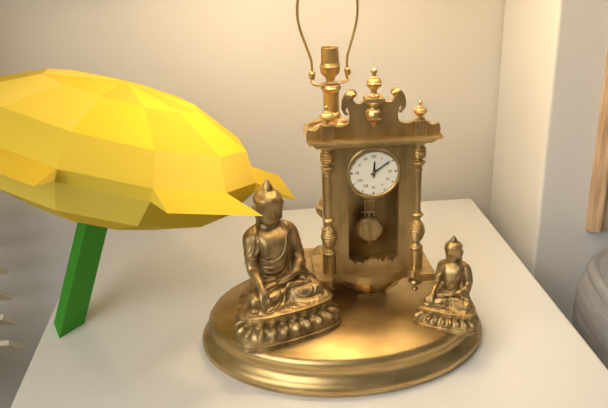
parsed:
12,09
